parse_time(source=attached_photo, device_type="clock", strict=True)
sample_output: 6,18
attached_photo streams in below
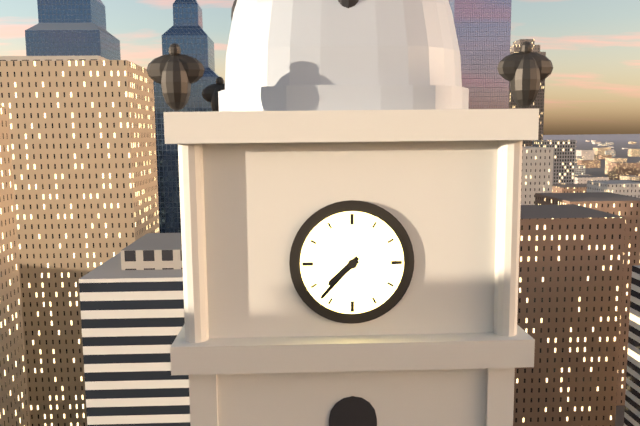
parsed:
7,37
